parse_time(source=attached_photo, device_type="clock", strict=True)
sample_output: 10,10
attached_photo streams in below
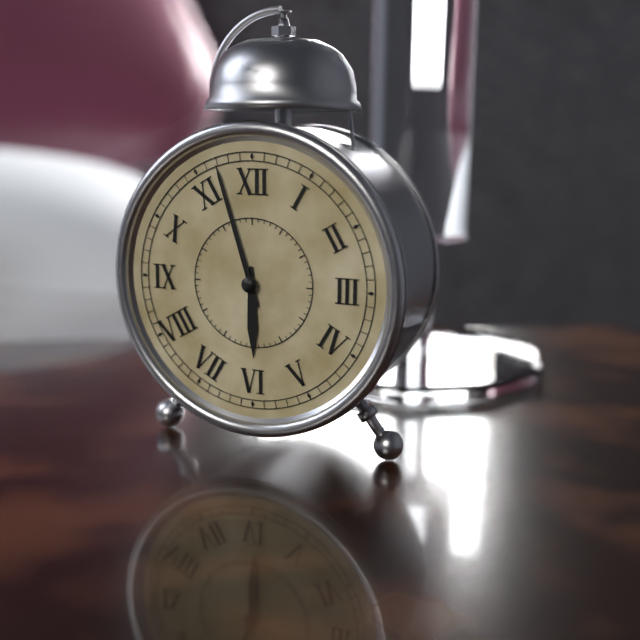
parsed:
5,57
